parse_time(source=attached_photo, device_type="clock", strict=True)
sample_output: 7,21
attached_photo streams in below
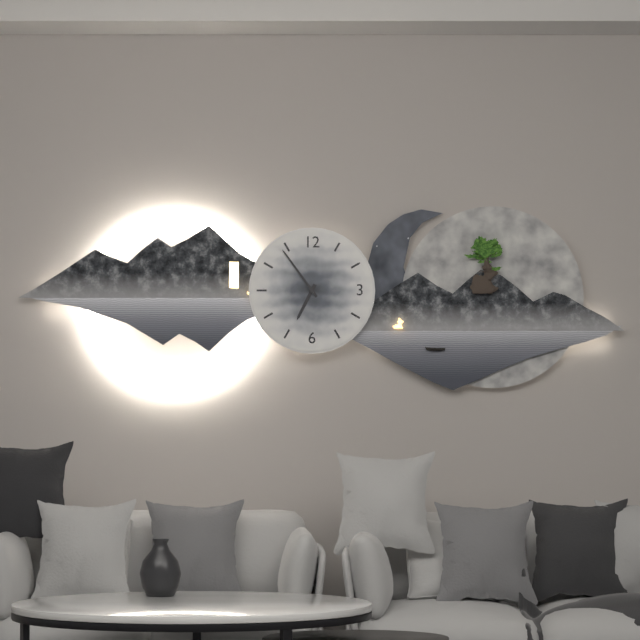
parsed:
6,54
